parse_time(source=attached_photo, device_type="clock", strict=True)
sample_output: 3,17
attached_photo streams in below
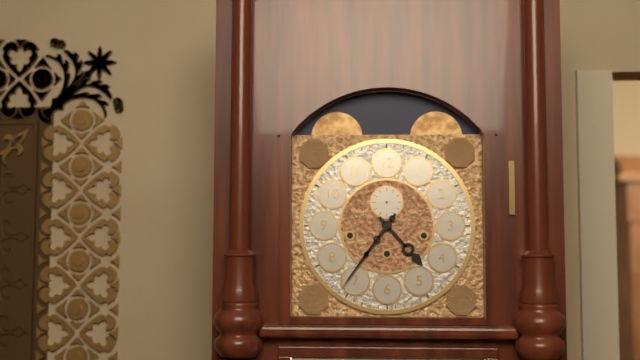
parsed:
4,36
